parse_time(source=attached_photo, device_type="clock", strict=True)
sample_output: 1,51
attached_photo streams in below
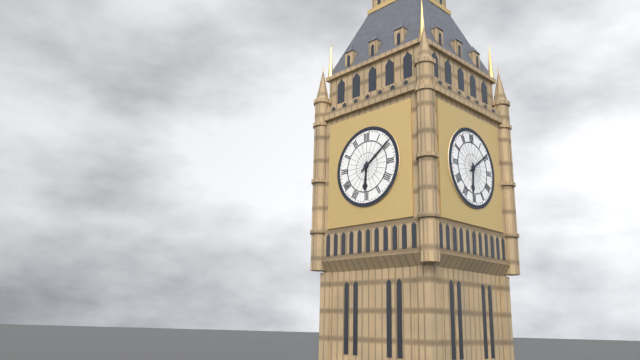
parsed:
6,09
